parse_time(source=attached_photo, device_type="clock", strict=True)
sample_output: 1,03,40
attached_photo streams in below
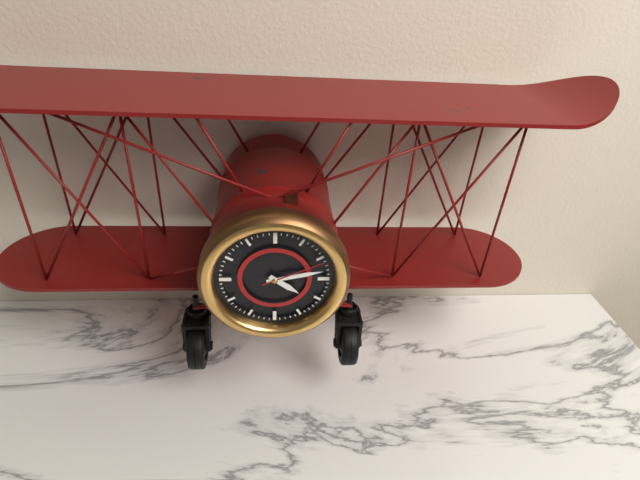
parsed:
4,13,11
